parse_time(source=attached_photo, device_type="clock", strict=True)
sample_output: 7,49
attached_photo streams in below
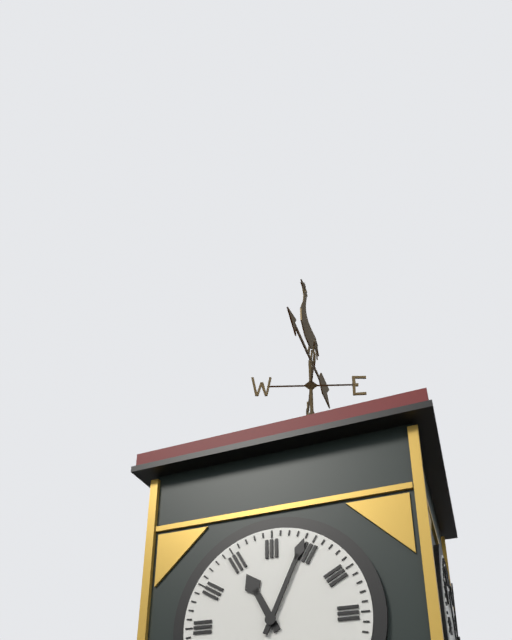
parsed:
11,04
